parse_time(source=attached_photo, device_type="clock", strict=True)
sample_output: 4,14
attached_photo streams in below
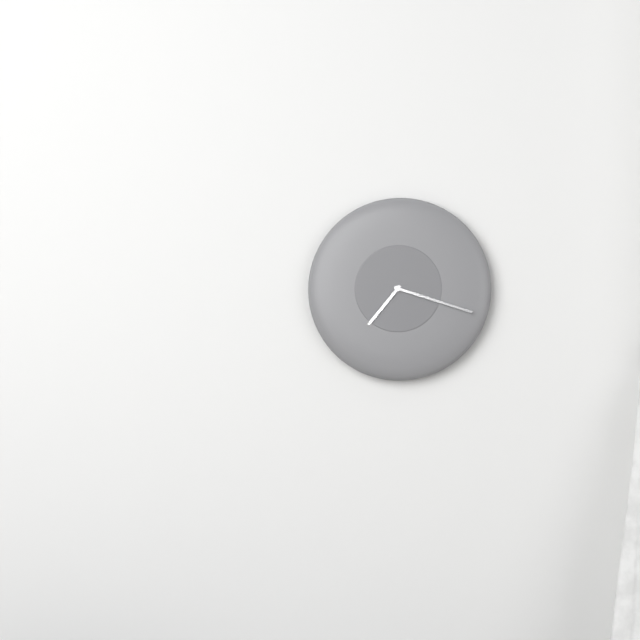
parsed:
7,18
